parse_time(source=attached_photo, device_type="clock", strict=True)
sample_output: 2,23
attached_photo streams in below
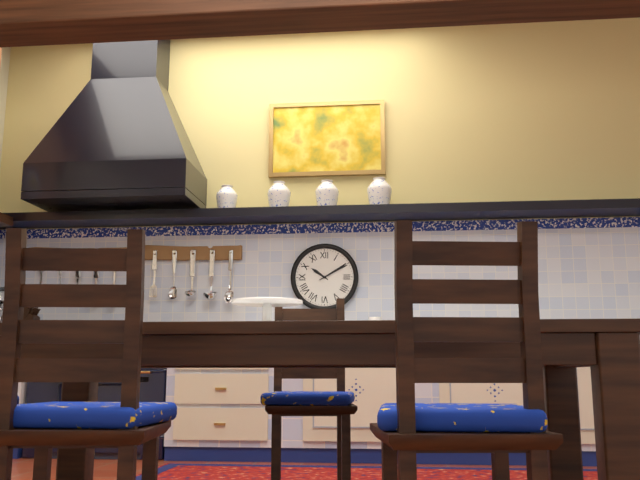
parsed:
10,10
